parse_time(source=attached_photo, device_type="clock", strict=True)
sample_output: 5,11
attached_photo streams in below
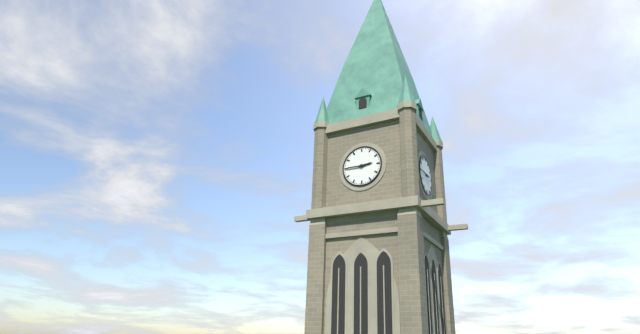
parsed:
2,45
